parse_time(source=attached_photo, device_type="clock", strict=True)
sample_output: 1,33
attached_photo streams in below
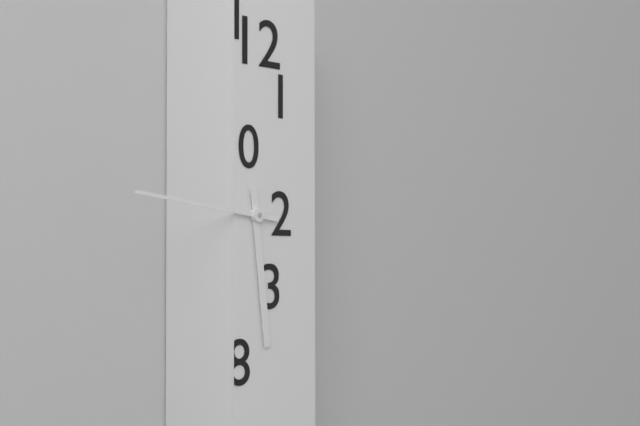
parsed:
5,46
